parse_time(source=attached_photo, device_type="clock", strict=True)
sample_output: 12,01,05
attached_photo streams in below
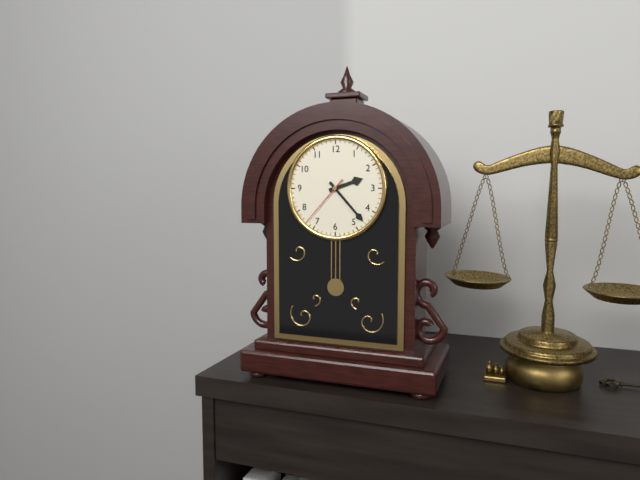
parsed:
2,23,37
